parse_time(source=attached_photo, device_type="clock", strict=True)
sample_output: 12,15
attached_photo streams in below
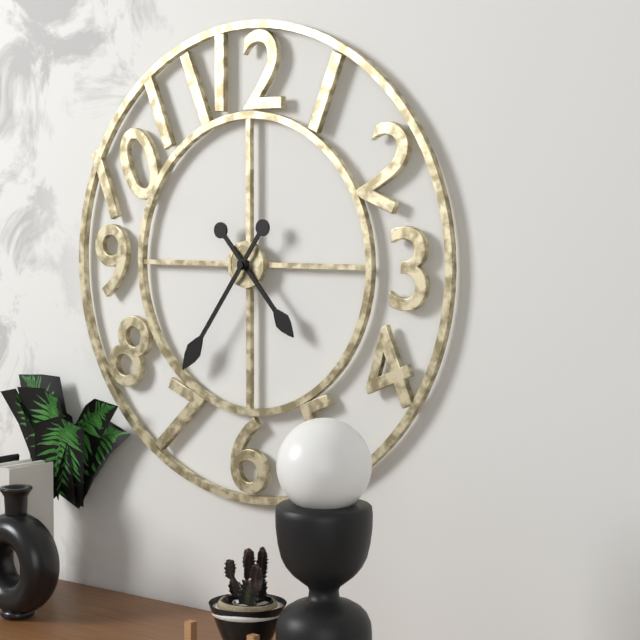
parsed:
4,36
